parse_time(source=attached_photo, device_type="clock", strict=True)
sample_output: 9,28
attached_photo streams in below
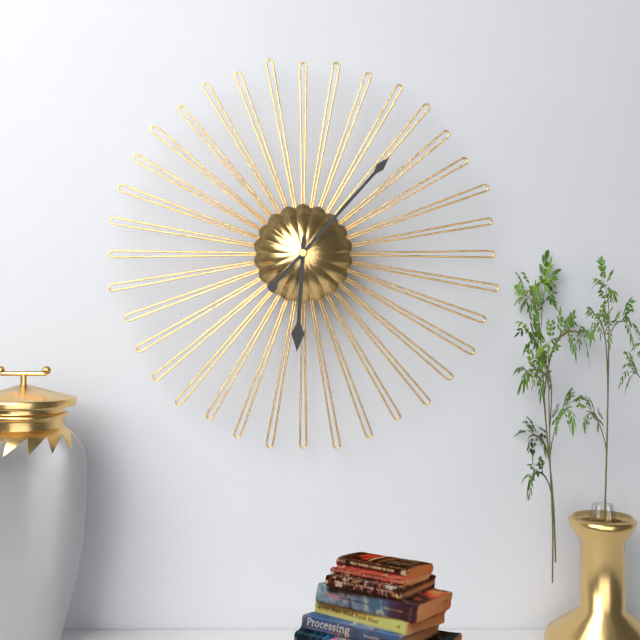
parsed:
6,07
